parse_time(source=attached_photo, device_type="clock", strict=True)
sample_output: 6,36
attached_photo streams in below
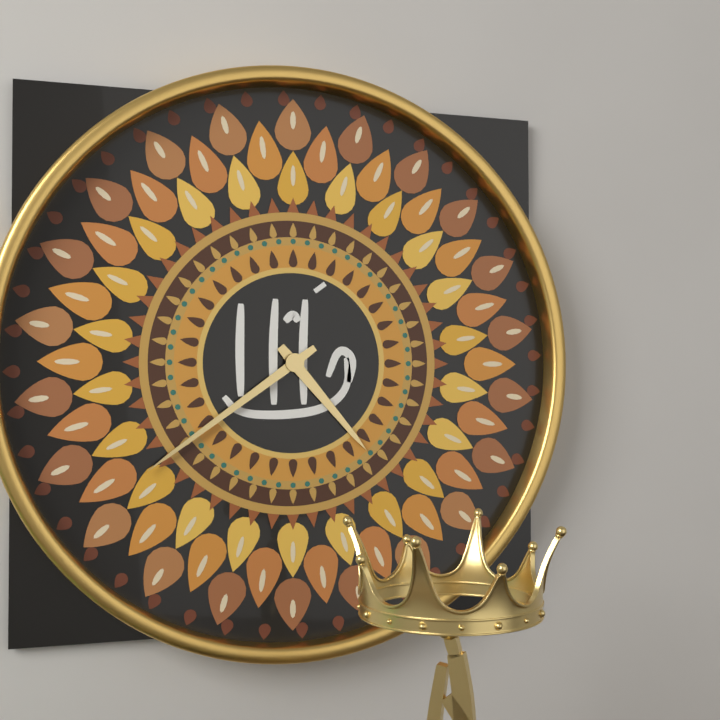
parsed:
4,39
